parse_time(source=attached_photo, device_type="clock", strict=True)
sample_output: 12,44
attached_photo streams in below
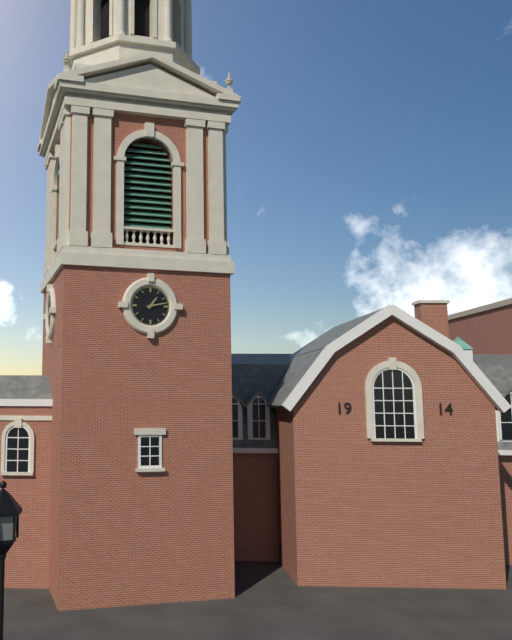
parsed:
1,13
